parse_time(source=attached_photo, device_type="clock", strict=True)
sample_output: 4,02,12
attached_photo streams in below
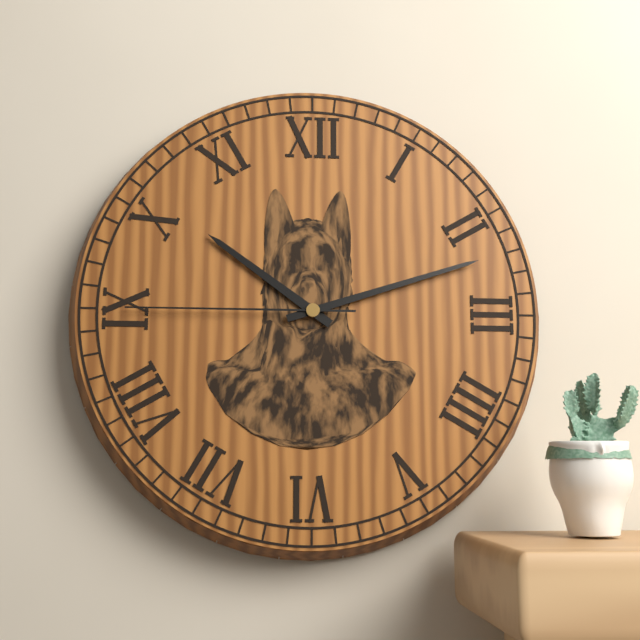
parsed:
10,12,45
